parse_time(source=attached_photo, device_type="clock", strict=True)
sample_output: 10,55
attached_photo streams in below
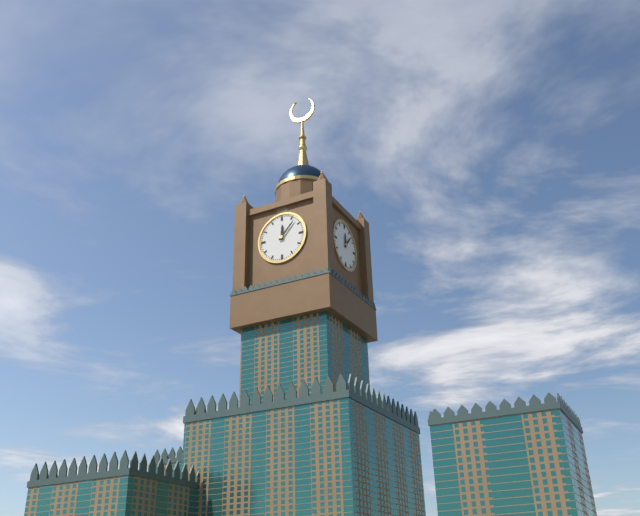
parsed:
12,07
